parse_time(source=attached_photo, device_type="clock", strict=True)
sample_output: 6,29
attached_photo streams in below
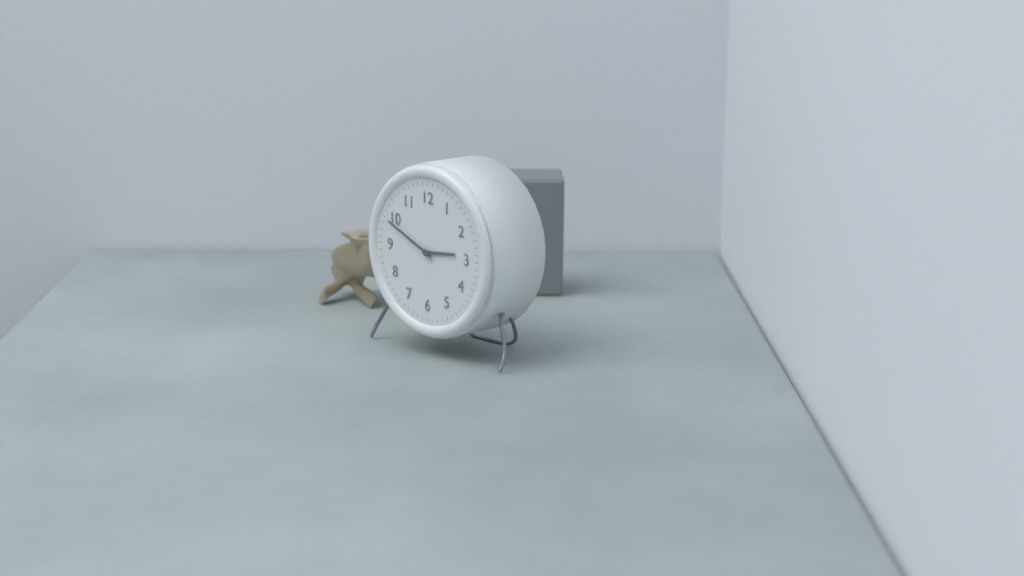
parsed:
2,49
